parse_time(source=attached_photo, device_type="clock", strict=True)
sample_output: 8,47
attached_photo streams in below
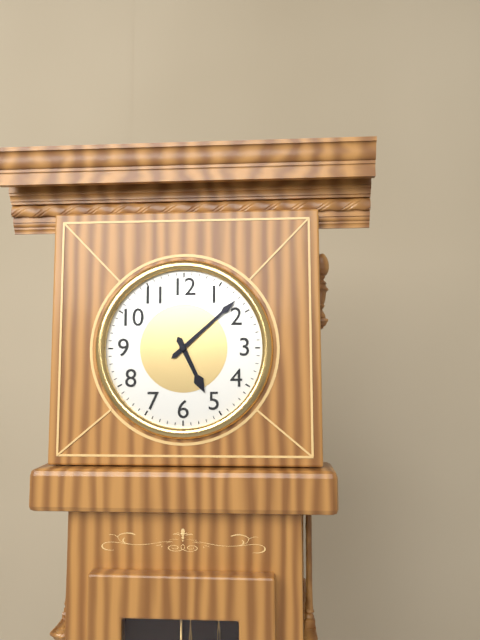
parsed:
5,08
